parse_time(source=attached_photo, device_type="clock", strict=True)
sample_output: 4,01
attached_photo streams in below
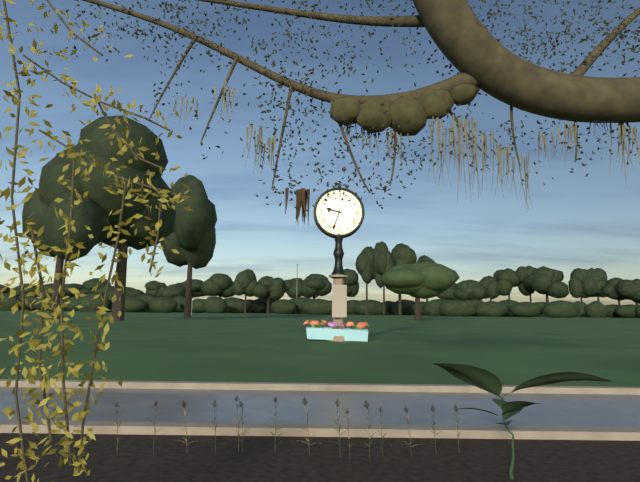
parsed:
9,33
